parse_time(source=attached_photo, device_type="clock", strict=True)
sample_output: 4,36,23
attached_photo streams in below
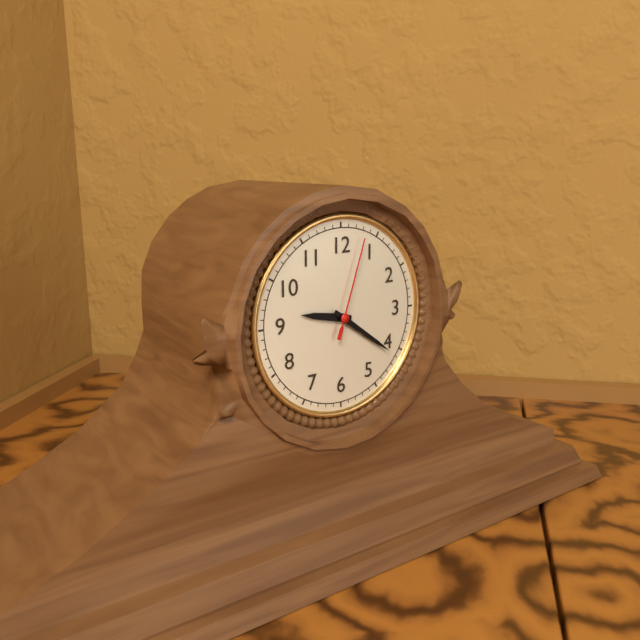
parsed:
9,21,03
